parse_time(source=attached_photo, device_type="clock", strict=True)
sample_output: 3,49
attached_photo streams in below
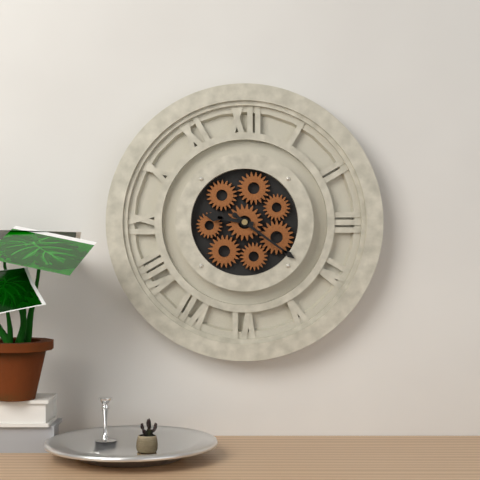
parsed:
9,21
